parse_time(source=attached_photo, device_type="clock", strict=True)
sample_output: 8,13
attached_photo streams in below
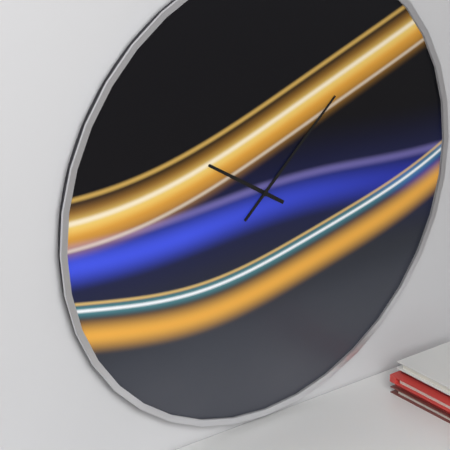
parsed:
10,08
